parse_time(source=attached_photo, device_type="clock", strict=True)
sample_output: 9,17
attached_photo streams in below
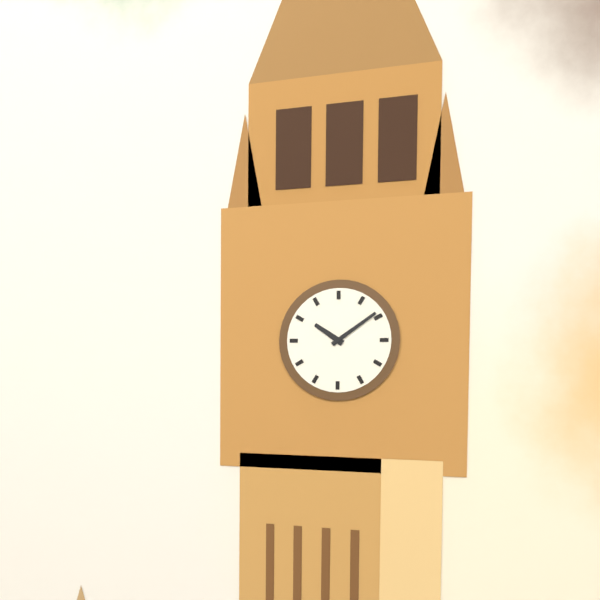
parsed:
10,09
